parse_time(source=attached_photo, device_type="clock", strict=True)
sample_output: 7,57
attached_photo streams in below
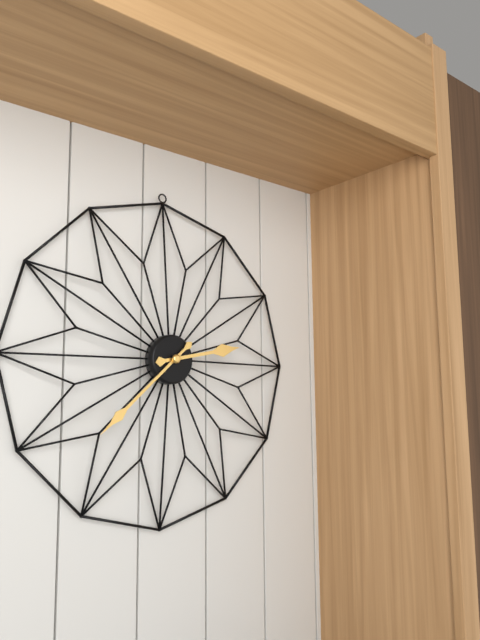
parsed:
2,38
